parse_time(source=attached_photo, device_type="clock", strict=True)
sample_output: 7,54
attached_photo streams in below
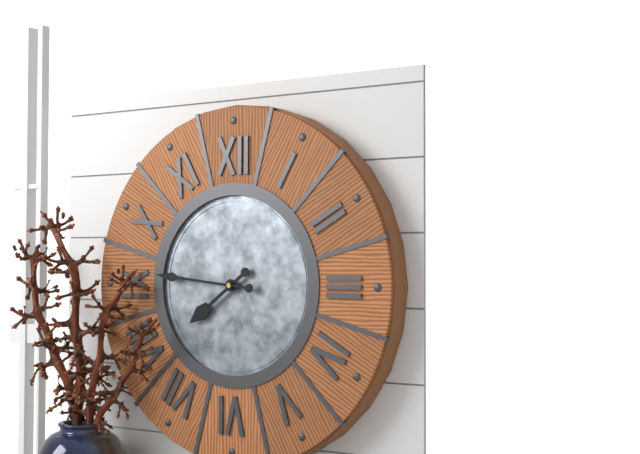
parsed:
7,46
